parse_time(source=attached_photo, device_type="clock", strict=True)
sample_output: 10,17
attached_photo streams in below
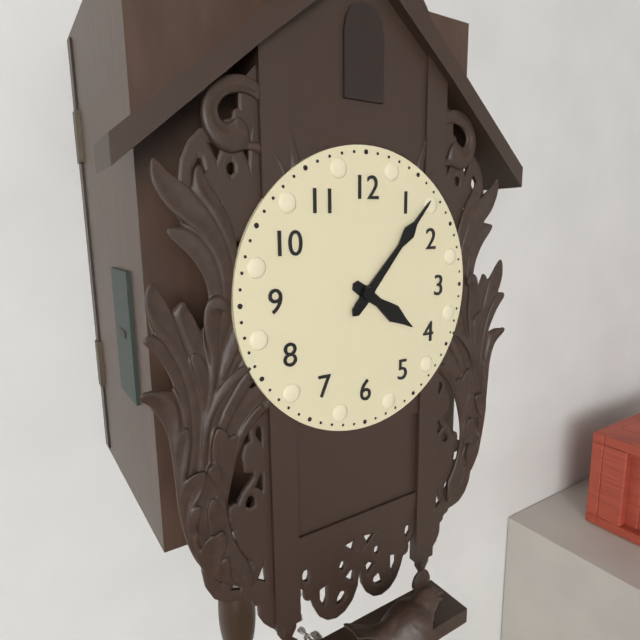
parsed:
4,07
